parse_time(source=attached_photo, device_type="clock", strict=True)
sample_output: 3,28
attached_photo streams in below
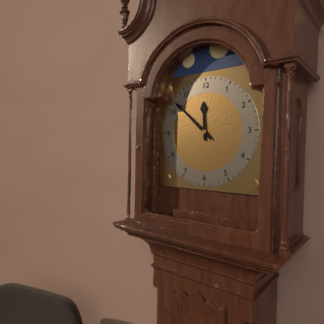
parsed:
11,52
